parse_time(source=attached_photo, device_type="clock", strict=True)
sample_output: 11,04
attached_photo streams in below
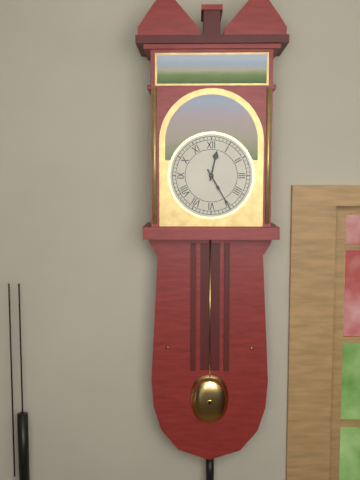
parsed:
12,25
